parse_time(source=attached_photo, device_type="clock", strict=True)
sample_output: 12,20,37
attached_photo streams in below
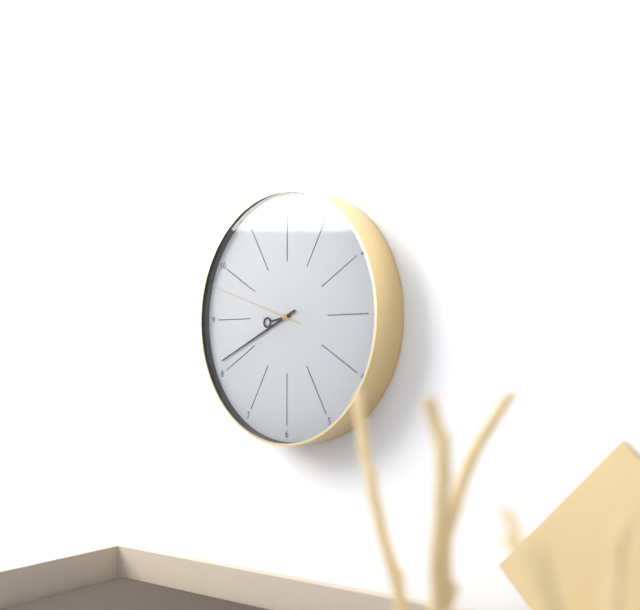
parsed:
8,41,48
